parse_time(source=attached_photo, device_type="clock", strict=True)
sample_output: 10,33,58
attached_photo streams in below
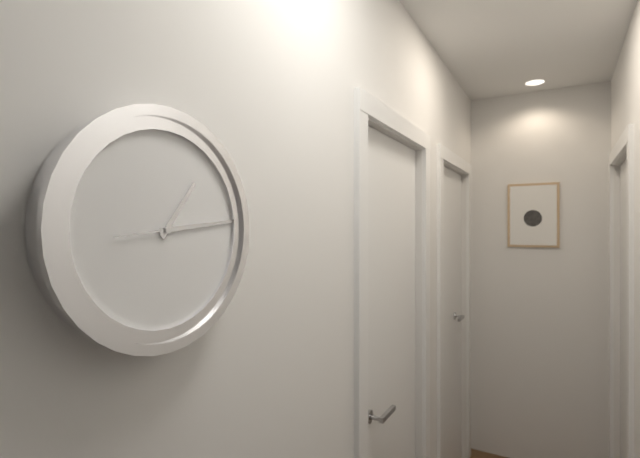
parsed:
1,14,44
